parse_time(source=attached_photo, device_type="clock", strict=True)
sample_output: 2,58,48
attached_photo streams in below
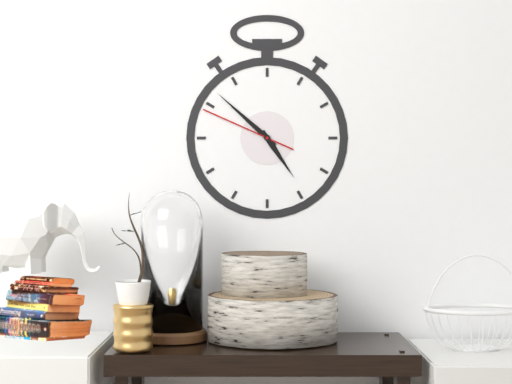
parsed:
4,52,49
